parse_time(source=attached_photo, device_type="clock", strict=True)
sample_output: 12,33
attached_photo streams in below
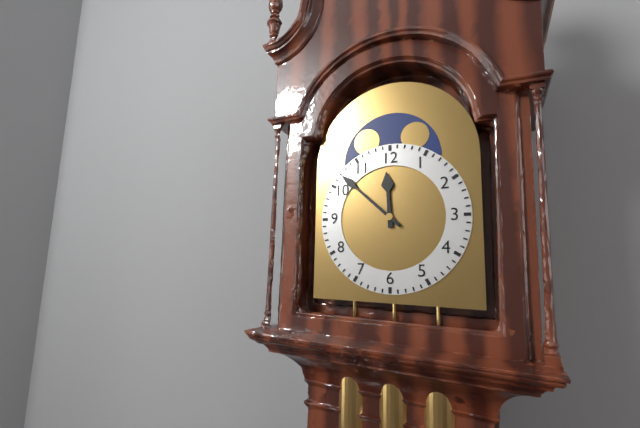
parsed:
11,52
